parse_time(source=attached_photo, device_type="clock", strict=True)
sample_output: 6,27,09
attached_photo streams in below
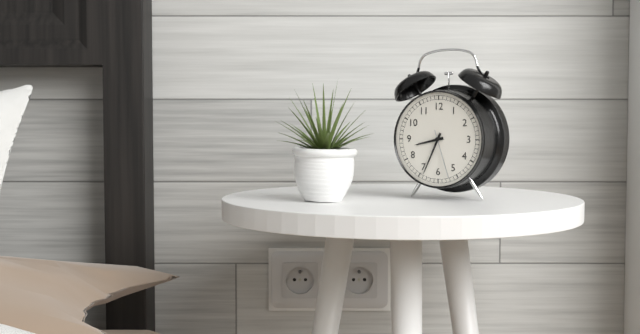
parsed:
8,34,27
